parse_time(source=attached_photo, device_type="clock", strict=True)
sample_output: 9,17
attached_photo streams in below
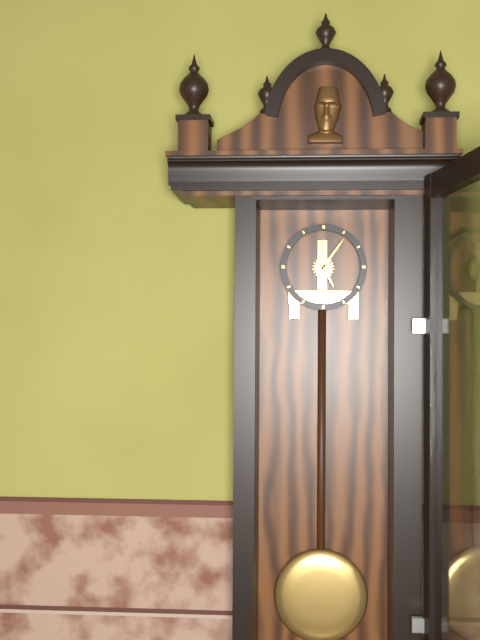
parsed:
5,06
